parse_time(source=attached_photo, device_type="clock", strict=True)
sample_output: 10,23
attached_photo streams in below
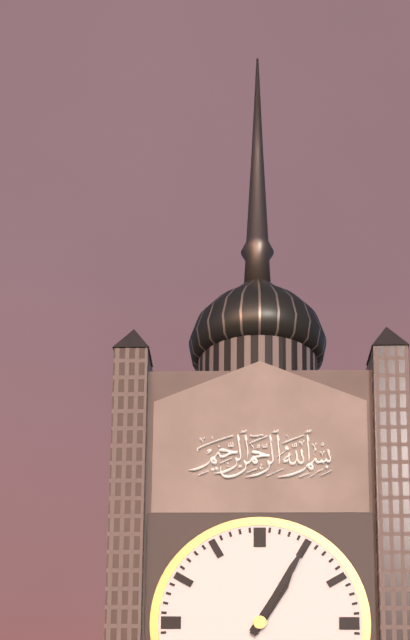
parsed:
1,05
